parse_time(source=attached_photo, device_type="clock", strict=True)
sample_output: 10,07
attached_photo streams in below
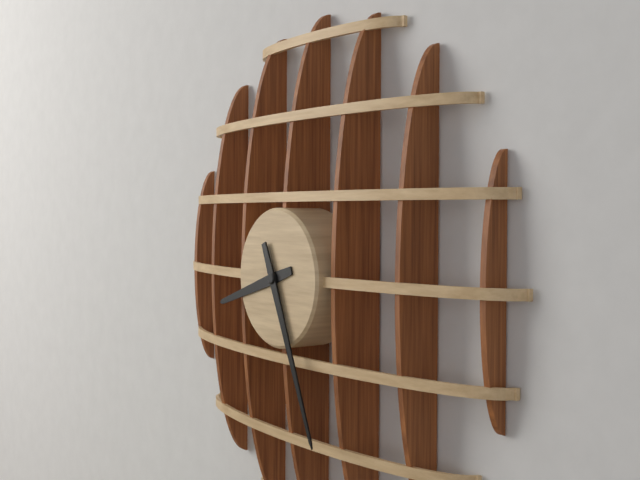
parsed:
8,26
